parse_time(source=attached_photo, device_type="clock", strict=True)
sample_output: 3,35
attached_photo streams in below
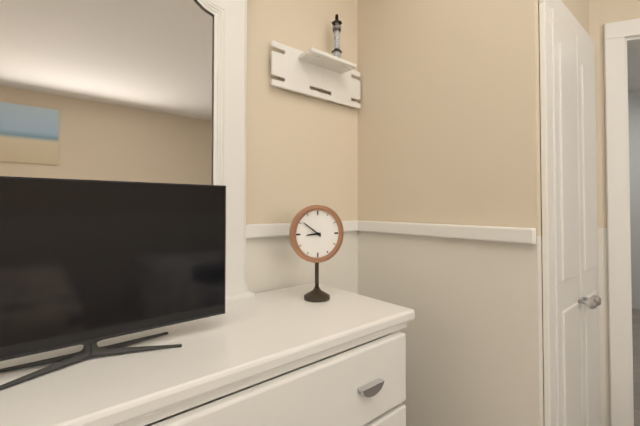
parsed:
8,51
